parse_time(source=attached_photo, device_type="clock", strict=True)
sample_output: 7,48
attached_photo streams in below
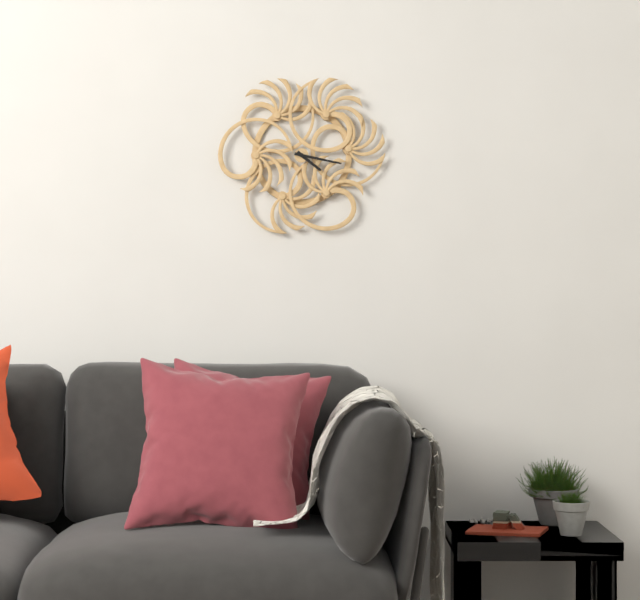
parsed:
4,17
